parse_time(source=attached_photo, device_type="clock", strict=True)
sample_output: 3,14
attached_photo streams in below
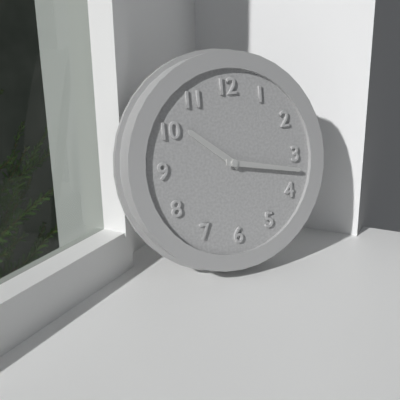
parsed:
10,17
